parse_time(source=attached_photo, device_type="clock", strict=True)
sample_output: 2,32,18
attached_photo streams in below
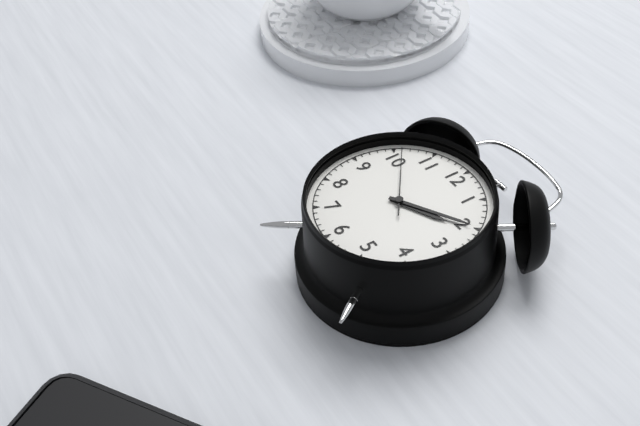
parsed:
2,10,51
